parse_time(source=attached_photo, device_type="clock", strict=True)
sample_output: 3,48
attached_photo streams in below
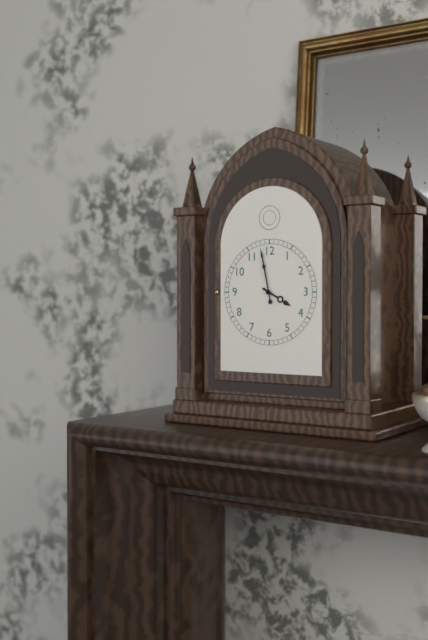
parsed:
3,58
